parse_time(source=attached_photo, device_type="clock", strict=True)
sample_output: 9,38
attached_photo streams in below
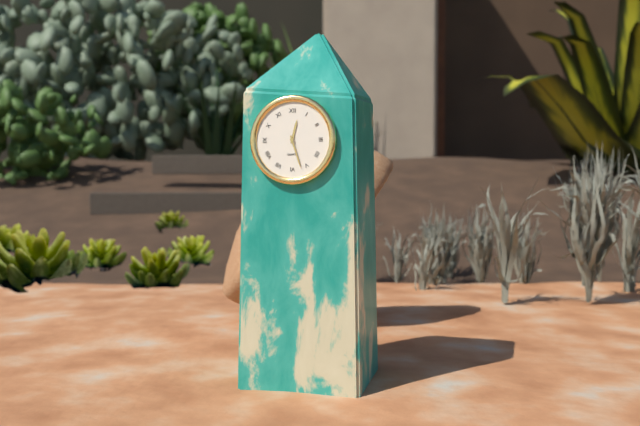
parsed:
12,27
